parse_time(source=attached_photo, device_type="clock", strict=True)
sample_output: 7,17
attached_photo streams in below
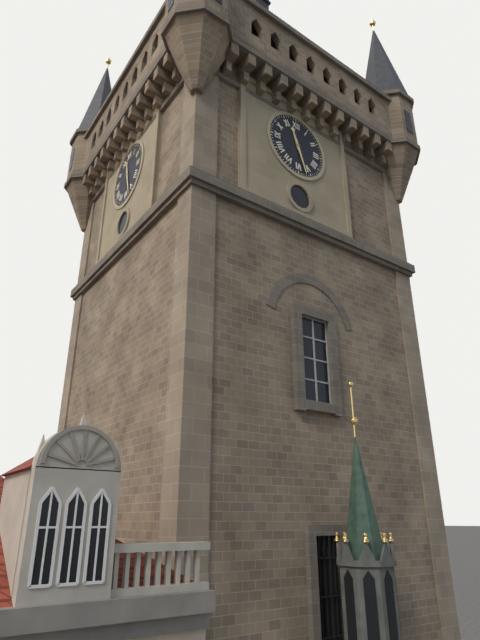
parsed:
11,27
